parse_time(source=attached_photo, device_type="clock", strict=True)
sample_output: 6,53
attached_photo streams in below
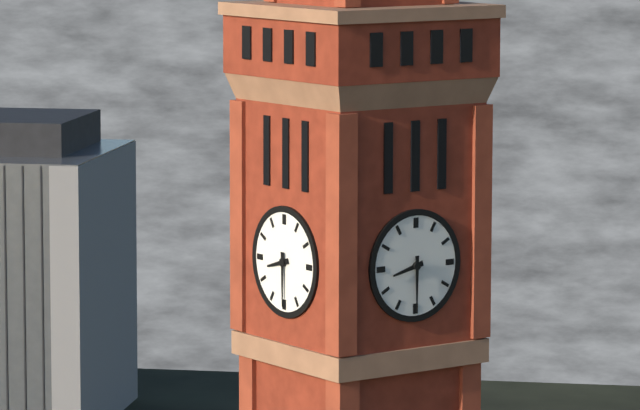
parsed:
8,30
